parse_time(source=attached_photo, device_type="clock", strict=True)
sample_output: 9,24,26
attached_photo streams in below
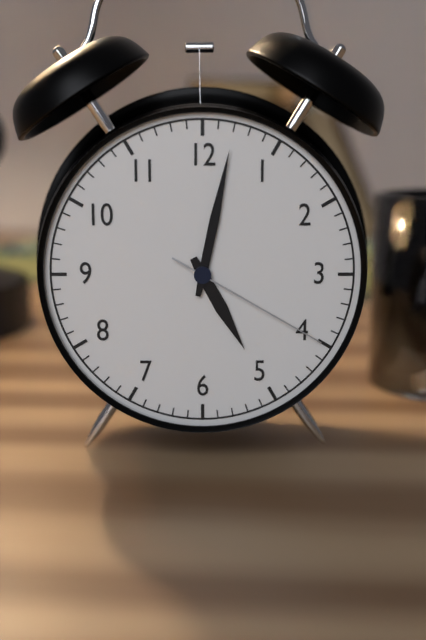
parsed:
5,02,20
